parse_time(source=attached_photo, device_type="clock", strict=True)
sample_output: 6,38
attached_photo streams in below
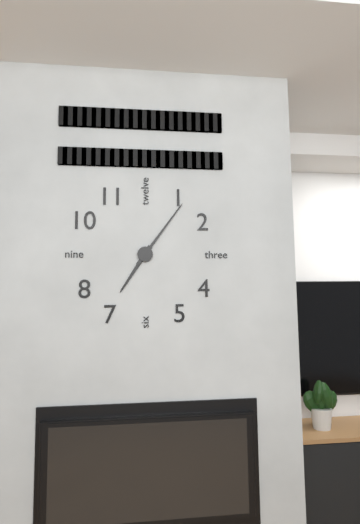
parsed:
7,06
